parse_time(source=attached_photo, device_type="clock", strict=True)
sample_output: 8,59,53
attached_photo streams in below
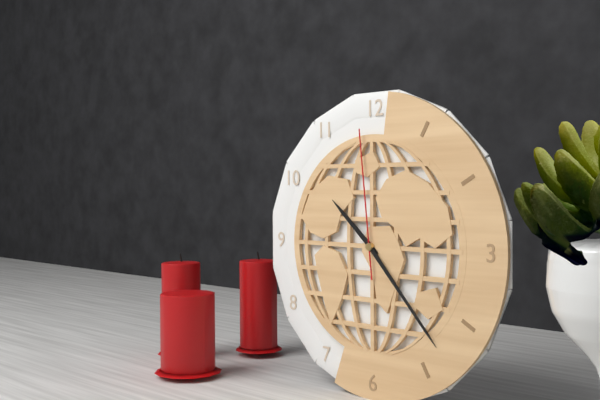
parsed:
10,23,59
